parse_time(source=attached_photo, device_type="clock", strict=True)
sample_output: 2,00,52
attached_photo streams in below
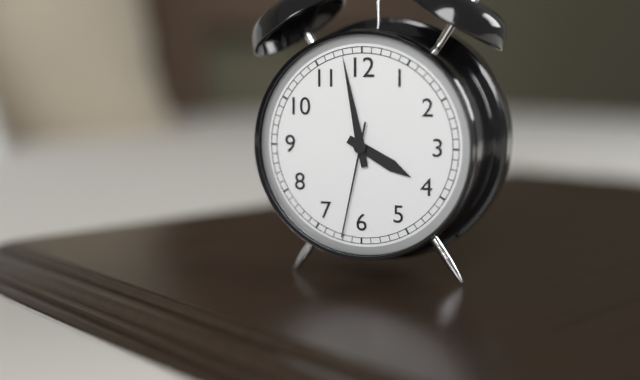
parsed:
3,58,32
